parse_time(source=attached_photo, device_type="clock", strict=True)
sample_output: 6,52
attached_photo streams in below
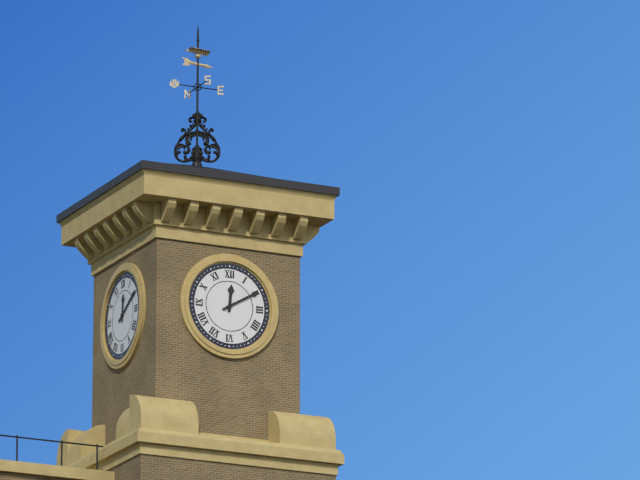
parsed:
12,10
